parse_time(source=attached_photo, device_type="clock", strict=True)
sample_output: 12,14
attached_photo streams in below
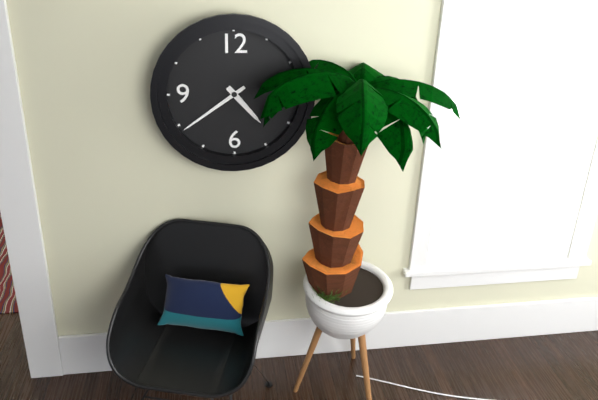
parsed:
4,39
